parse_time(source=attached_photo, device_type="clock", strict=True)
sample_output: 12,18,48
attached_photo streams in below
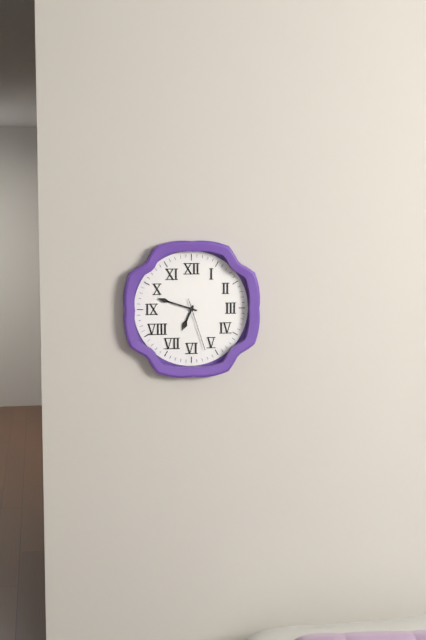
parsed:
6,48,27
